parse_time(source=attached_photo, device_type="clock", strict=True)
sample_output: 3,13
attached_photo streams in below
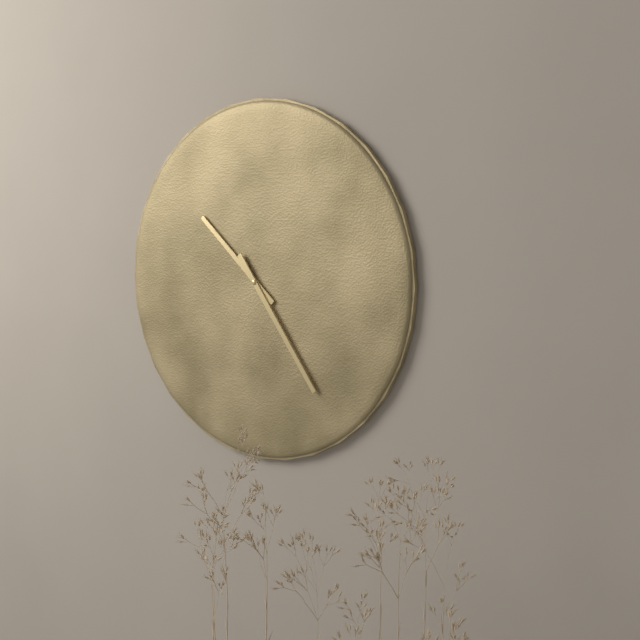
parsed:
10,24
